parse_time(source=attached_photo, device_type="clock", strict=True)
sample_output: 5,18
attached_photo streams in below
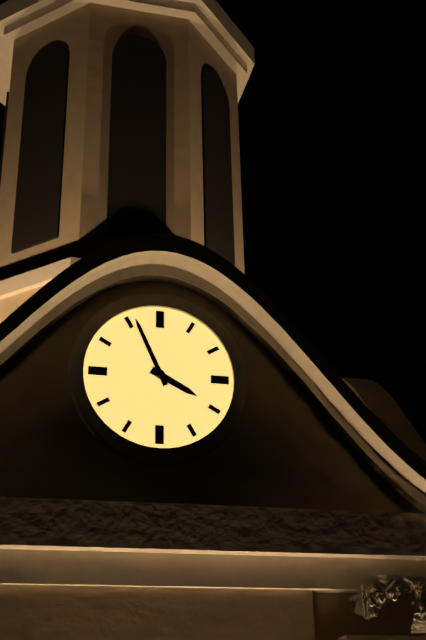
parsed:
3,56
